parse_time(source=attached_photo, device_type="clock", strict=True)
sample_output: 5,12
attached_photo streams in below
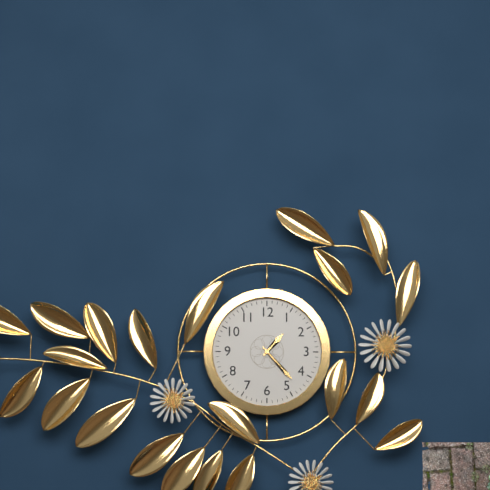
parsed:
1,23
